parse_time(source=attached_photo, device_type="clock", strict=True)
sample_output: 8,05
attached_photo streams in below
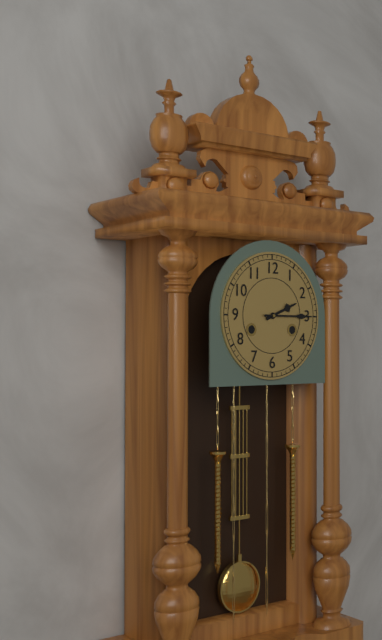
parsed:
2,15
